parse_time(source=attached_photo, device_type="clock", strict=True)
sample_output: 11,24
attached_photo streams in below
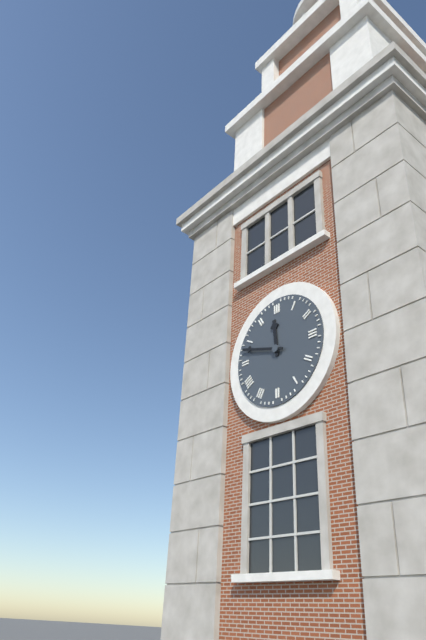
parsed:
11,48
